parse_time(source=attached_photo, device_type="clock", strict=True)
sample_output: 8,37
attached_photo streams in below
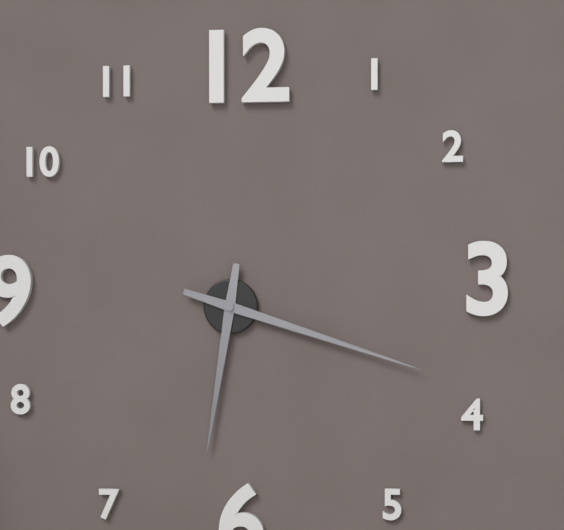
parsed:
6,18
